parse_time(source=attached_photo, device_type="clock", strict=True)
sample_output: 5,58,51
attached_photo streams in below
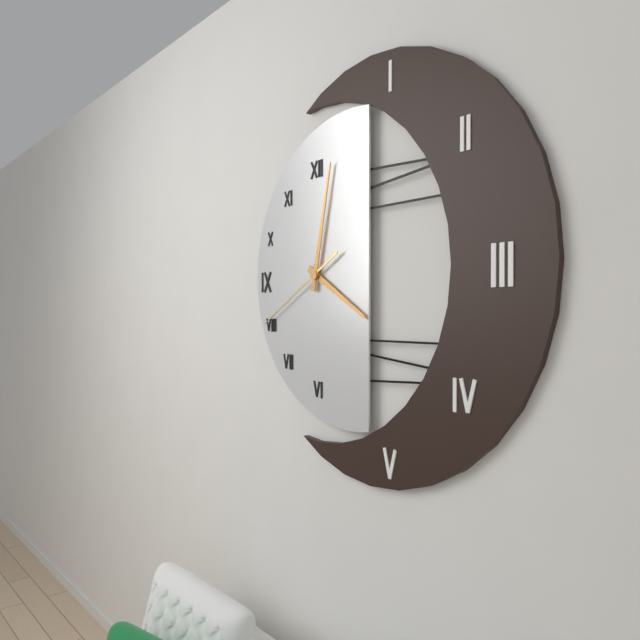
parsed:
4,02,40
